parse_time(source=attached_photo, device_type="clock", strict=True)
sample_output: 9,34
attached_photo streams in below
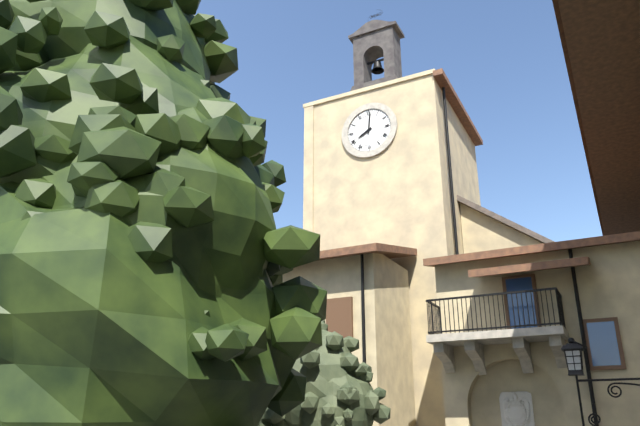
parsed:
8,01
